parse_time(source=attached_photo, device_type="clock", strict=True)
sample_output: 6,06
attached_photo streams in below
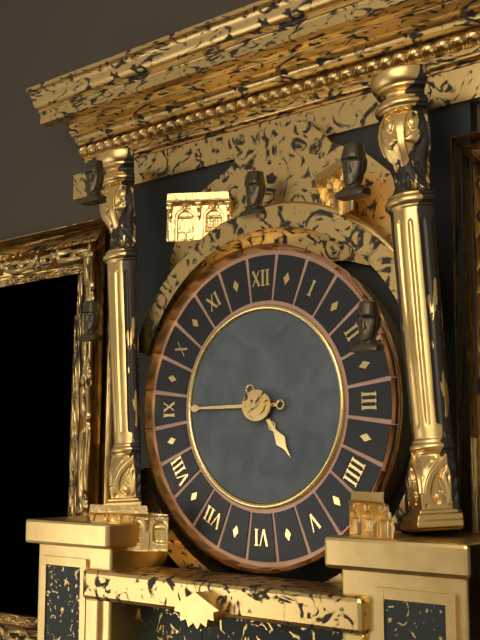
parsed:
4,45
